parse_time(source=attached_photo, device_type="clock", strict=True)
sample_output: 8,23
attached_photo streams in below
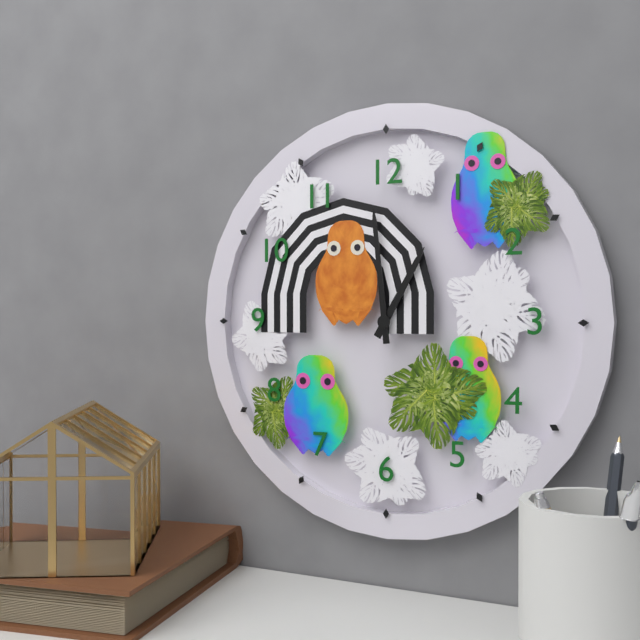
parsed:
12,59
